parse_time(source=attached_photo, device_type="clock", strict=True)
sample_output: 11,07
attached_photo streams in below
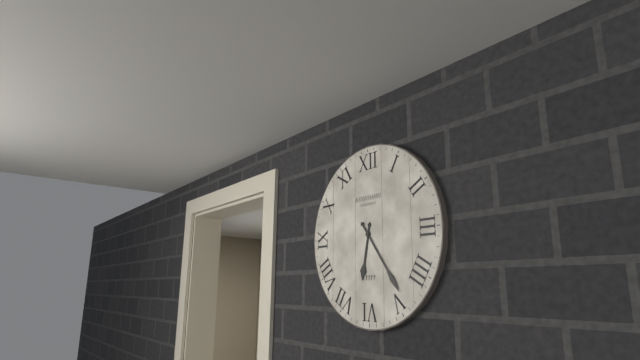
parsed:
6,24
